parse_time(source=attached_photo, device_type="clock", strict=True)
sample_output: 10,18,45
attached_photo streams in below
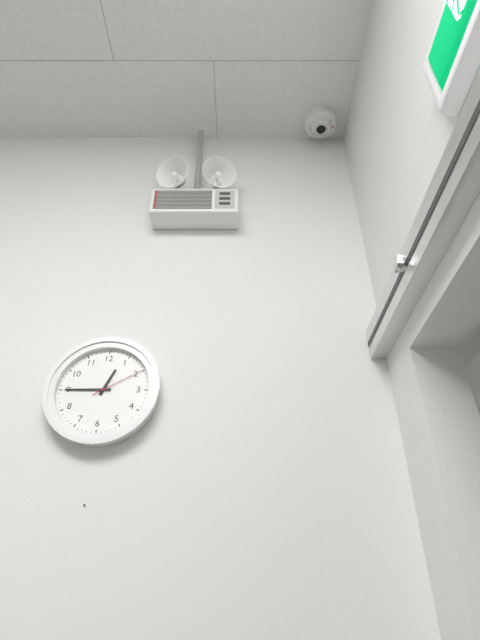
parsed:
12,45,10
